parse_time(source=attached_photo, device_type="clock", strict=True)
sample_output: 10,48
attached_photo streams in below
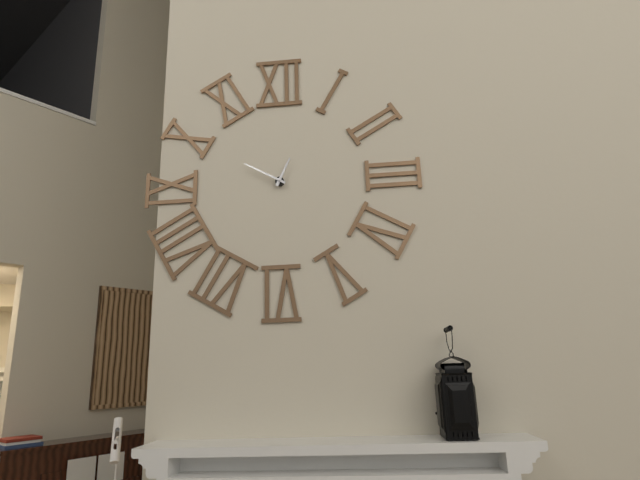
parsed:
12,50
